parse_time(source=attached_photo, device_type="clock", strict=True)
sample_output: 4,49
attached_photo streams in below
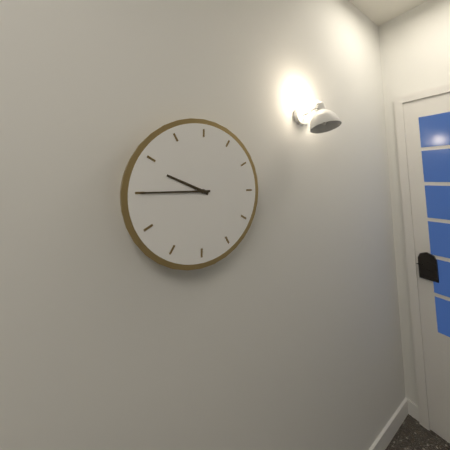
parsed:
9,45
